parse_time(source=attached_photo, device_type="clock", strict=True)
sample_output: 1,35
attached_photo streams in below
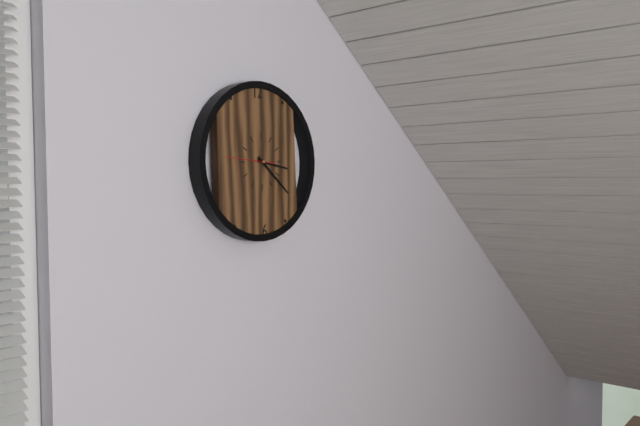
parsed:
3,22
